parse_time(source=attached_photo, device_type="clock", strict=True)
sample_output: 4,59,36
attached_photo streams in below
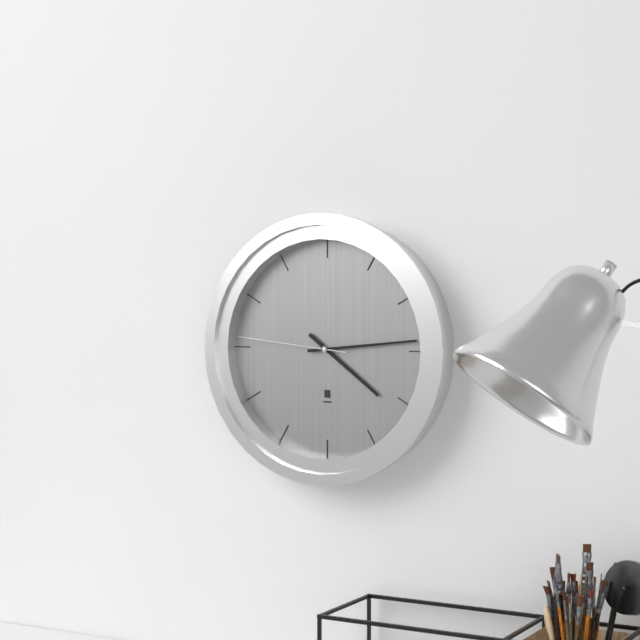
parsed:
4,14,46
